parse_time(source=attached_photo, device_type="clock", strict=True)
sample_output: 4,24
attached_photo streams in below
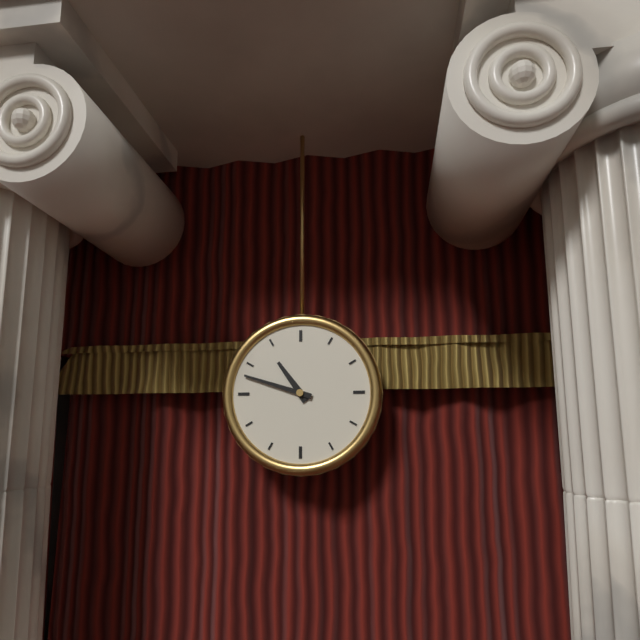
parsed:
10,48
